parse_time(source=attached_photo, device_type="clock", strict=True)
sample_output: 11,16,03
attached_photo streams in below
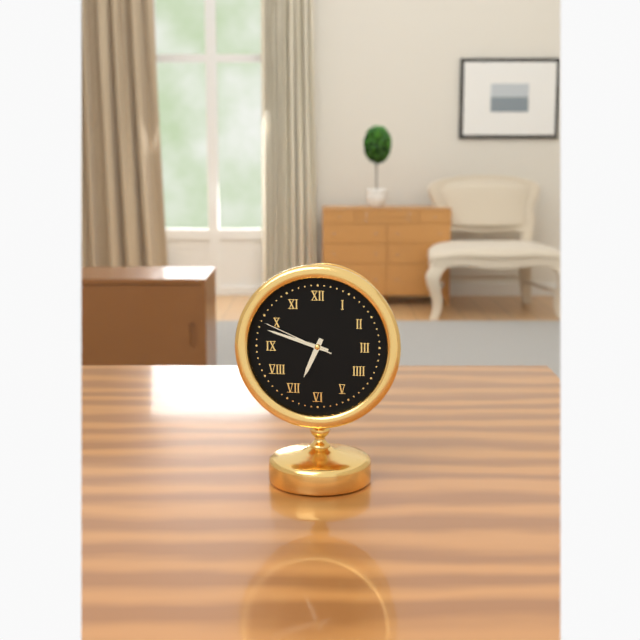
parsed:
6,48,49
